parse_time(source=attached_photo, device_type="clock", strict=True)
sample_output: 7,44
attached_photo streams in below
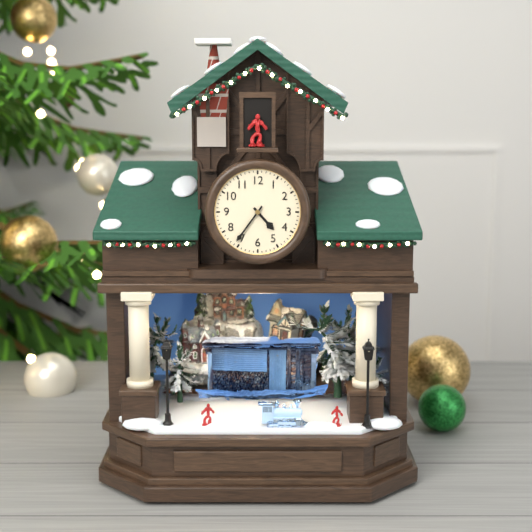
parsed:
4,36
